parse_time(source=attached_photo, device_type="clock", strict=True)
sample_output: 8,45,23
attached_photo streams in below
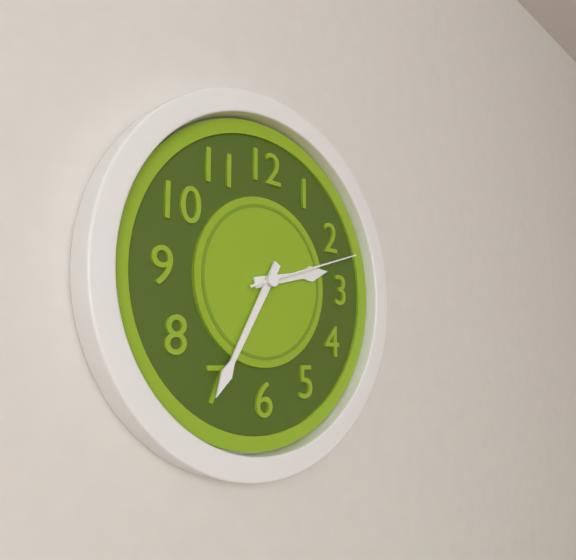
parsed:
2,35,12
